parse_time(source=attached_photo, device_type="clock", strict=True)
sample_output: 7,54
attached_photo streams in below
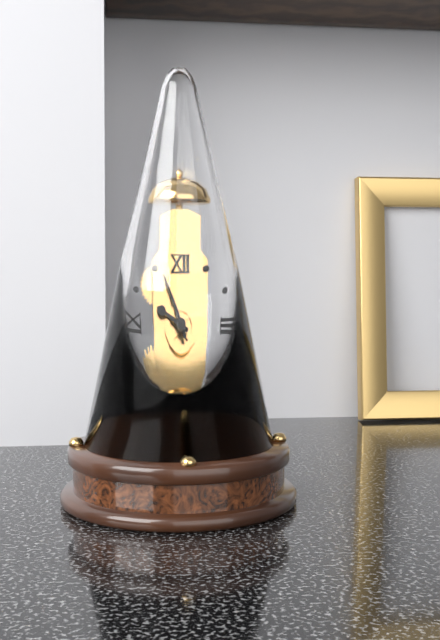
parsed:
9,56
